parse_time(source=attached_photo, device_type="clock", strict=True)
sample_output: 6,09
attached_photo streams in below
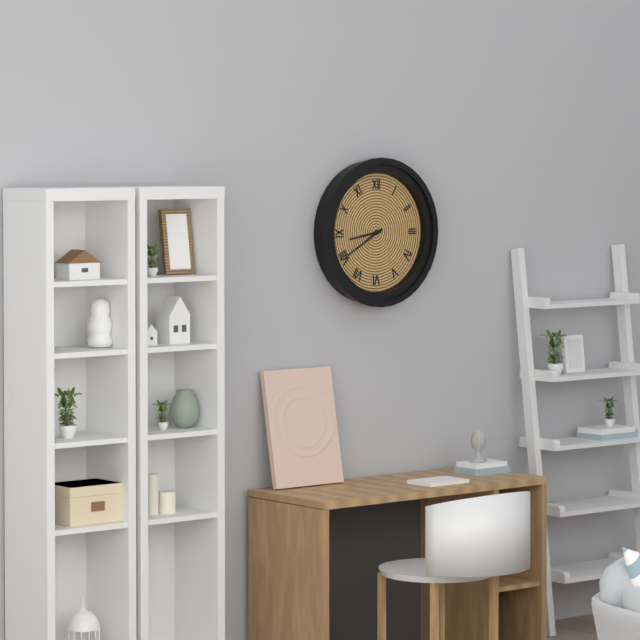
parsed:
8,40
